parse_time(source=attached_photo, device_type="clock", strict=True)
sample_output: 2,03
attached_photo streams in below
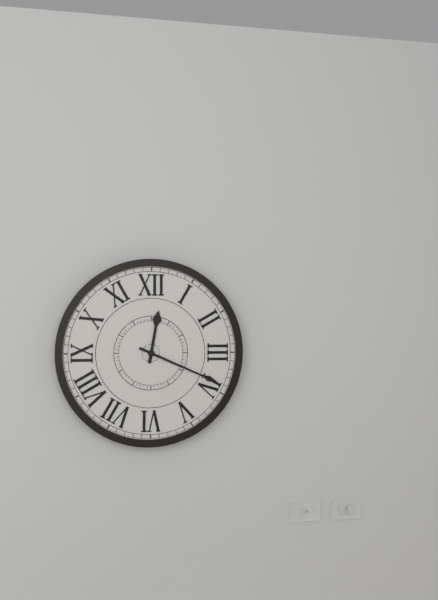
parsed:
12,19
